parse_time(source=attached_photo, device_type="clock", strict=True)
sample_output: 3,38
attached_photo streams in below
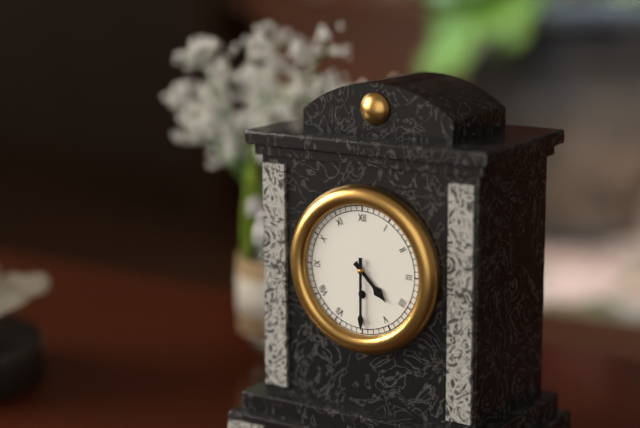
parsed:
4,30
